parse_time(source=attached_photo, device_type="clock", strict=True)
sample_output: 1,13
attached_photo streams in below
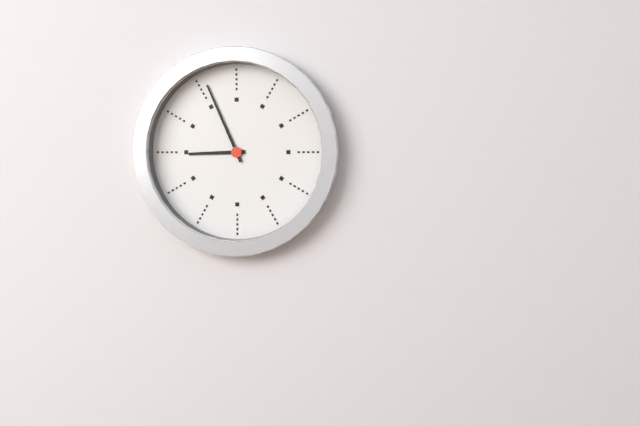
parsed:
8,56
